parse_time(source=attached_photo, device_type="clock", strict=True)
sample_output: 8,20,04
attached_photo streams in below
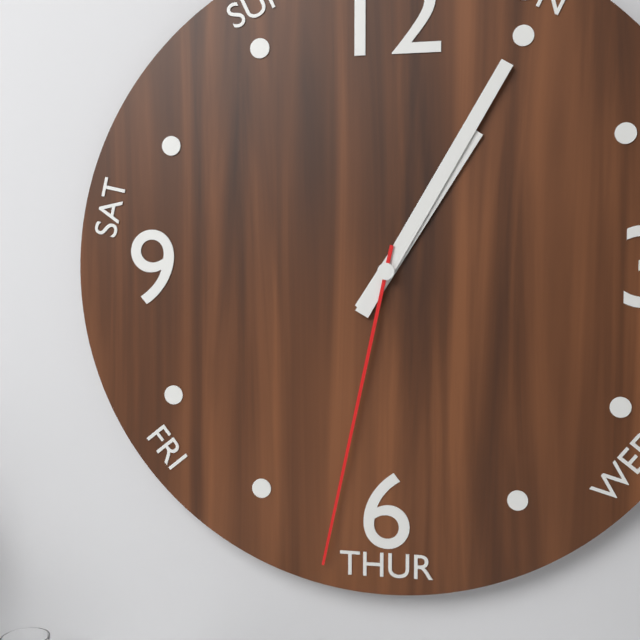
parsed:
1,05,32
